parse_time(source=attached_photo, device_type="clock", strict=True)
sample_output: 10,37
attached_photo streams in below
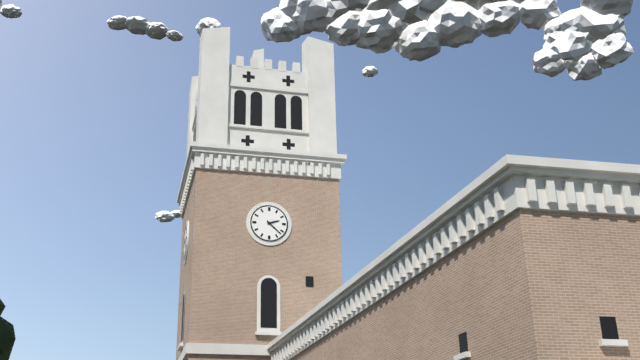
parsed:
2,22
